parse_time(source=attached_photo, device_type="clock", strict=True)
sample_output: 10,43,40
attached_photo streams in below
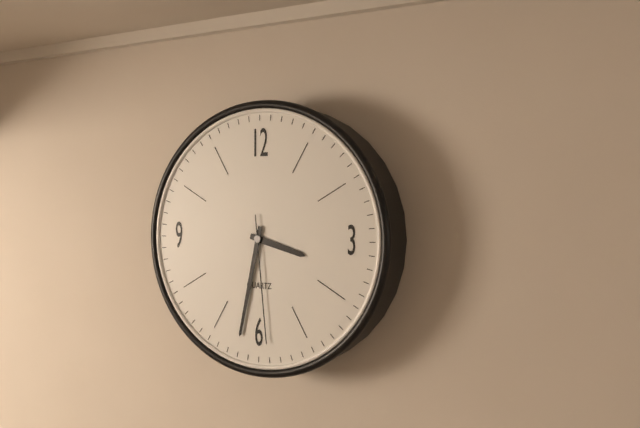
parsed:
3,32,29
